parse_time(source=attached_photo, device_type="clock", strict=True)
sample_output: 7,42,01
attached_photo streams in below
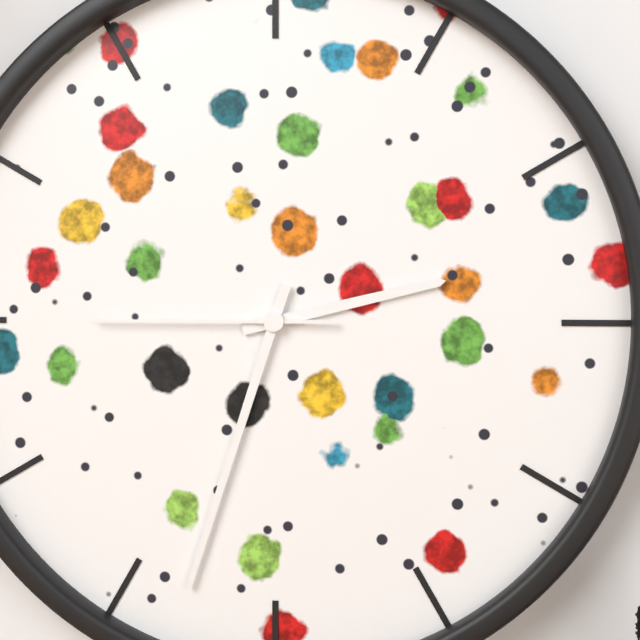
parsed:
2,33,45
